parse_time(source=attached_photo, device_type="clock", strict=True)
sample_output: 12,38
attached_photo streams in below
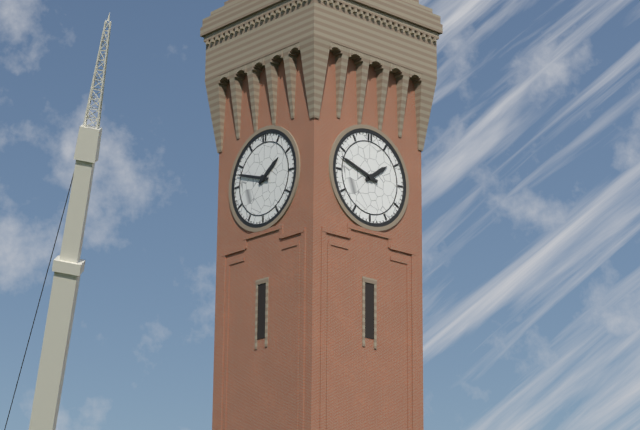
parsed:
1,48
